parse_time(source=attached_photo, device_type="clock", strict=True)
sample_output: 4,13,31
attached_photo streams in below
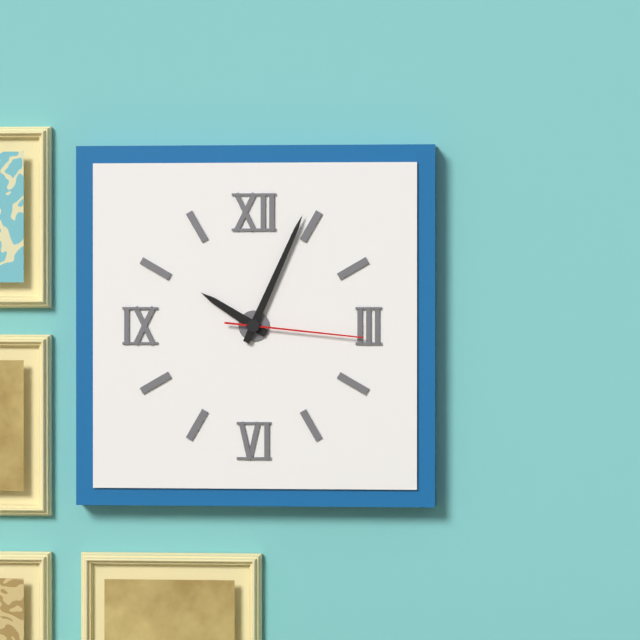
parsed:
10,04,16
